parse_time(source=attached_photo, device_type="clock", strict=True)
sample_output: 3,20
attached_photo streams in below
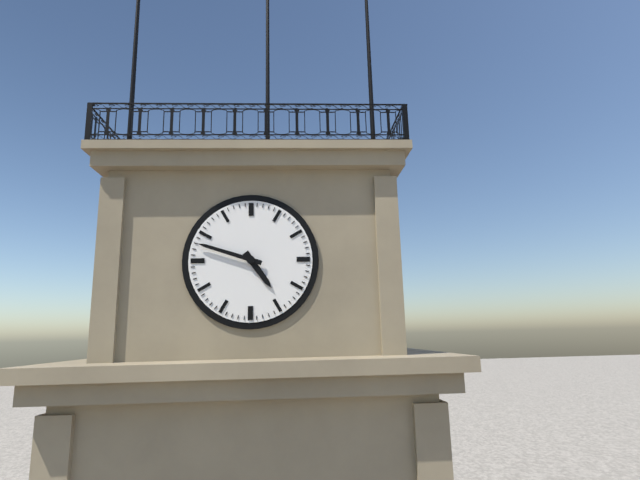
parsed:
4,48
